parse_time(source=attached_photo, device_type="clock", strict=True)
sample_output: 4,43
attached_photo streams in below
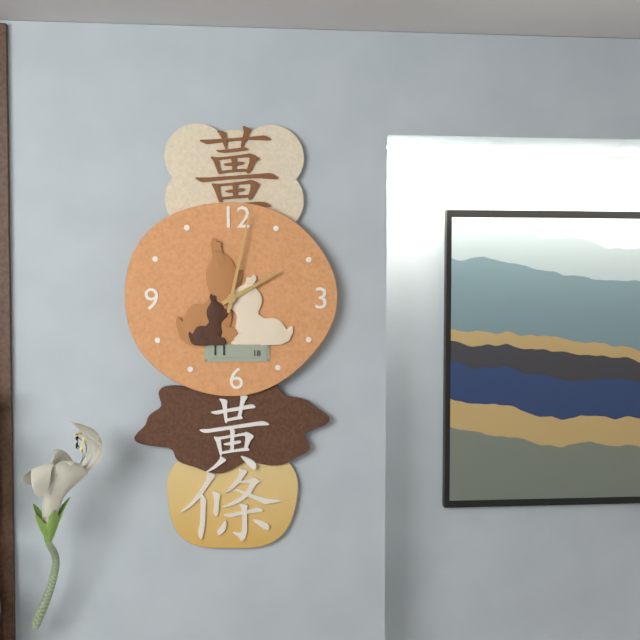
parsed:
2,02
